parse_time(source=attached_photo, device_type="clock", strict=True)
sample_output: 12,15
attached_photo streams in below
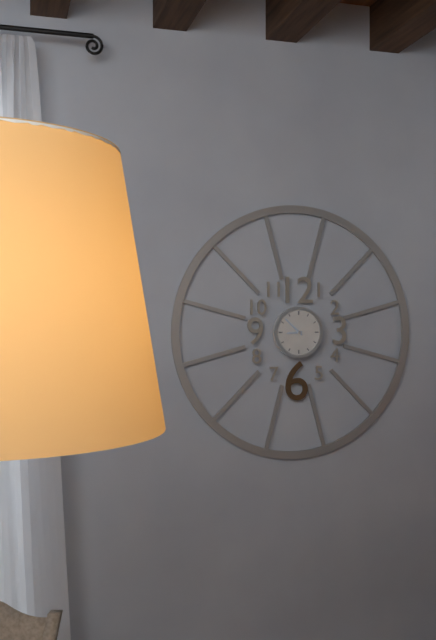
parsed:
8,52
